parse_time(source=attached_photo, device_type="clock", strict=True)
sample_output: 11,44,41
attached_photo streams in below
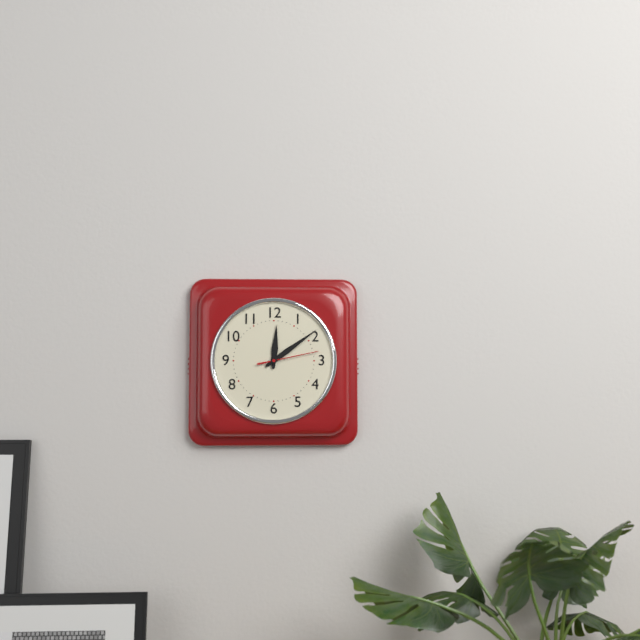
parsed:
12,09,13
